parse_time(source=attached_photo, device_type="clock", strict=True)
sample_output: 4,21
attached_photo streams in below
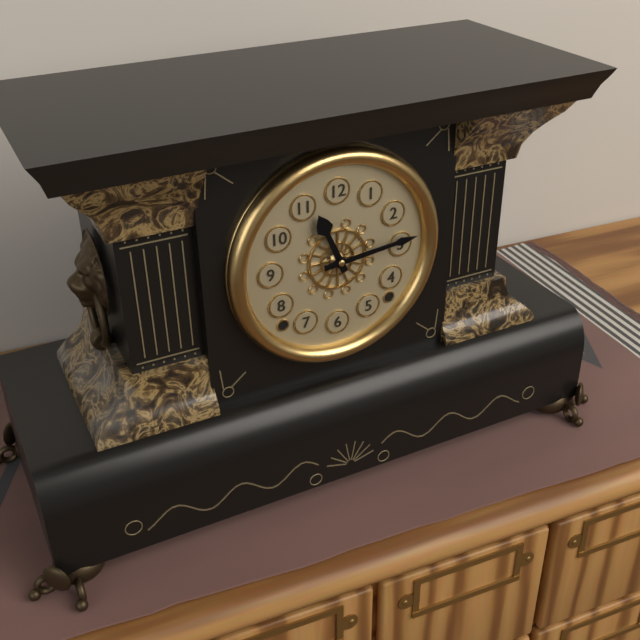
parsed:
11,14
